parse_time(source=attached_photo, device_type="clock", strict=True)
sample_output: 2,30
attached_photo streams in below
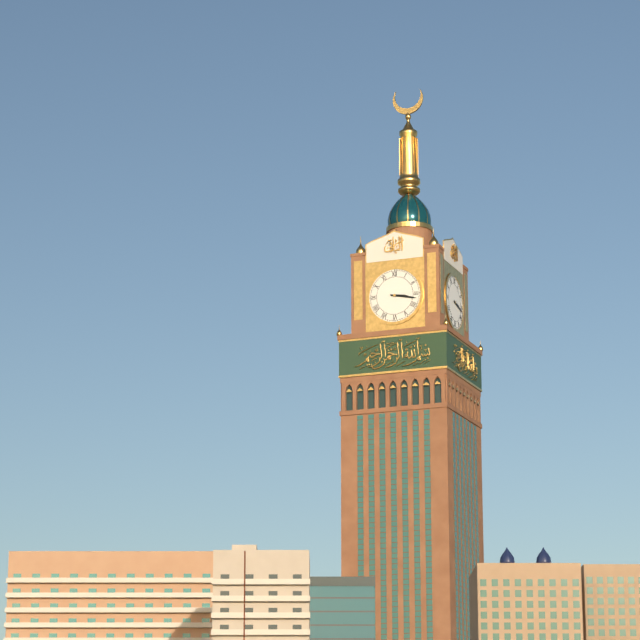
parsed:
3,17
